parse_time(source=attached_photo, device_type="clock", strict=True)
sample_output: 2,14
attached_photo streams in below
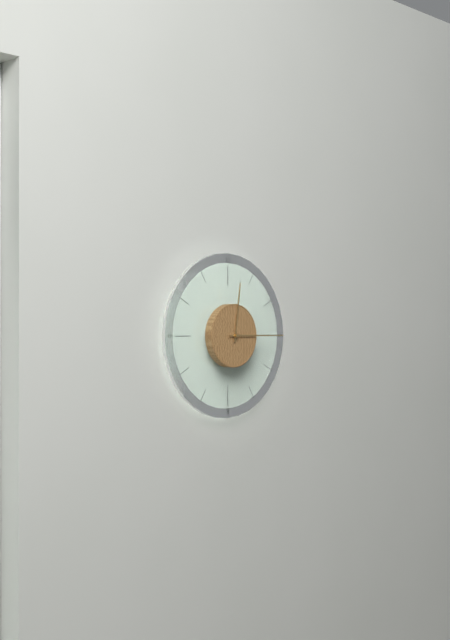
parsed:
12,15
